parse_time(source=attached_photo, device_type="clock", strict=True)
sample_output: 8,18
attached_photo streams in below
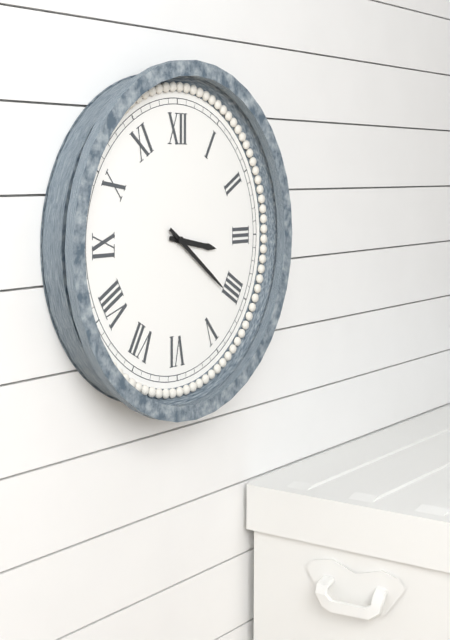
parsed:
3,21
